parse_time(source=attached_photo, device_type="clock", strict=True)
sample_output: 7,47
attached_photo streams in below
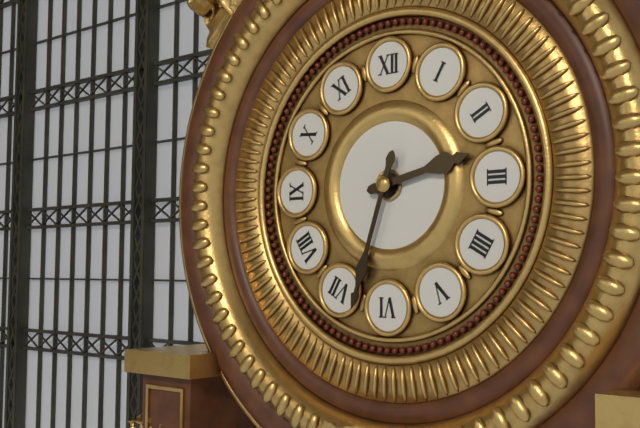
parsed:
2,33
